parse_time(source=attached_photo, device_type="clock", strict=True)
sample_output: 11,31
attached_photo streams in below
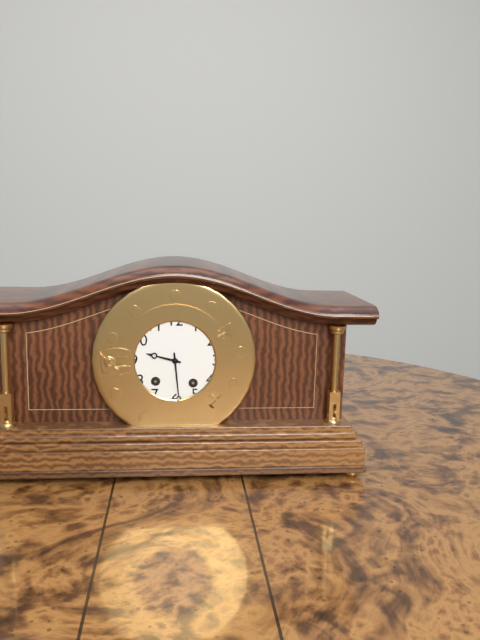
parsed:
9,29
